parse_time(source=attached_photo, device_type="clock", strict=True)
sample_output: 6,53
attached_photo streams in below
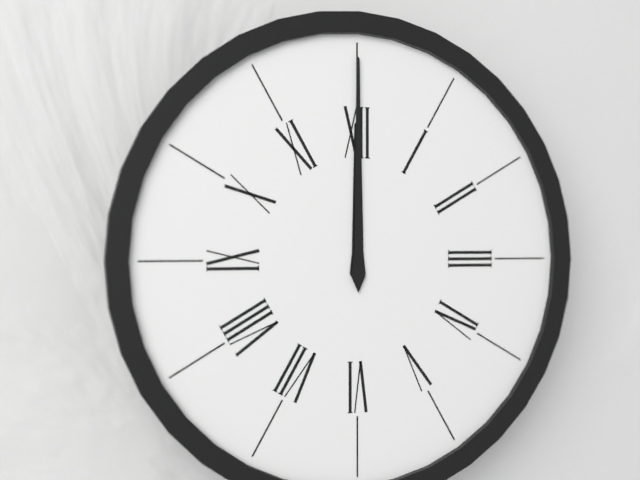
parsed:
12,00
